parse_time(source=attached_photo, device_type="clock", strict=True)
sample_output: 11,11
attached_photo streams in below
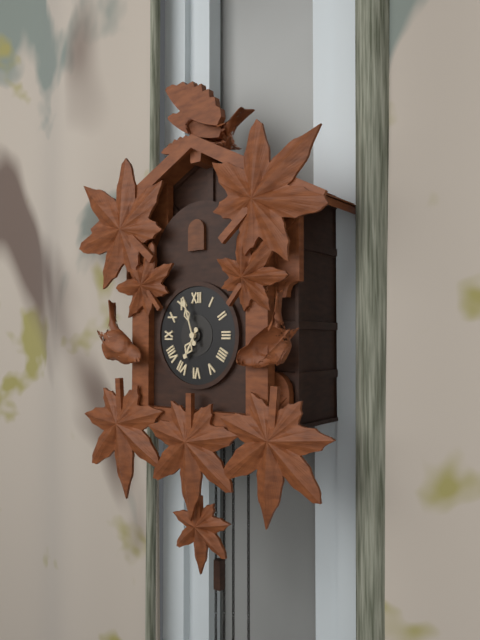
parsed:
6,57
